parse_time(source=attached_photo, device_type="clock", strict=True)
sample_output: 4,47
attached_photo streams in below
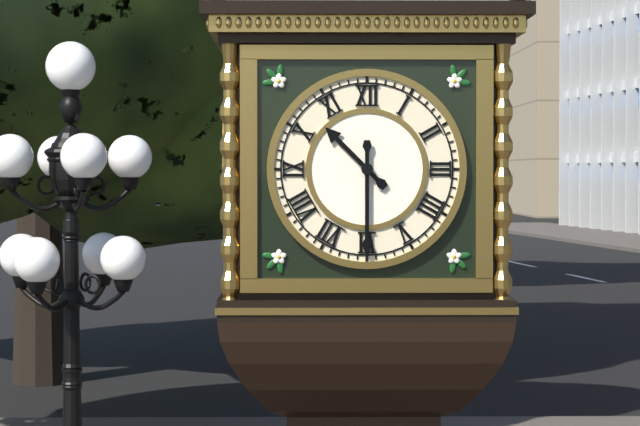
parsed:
10,30
